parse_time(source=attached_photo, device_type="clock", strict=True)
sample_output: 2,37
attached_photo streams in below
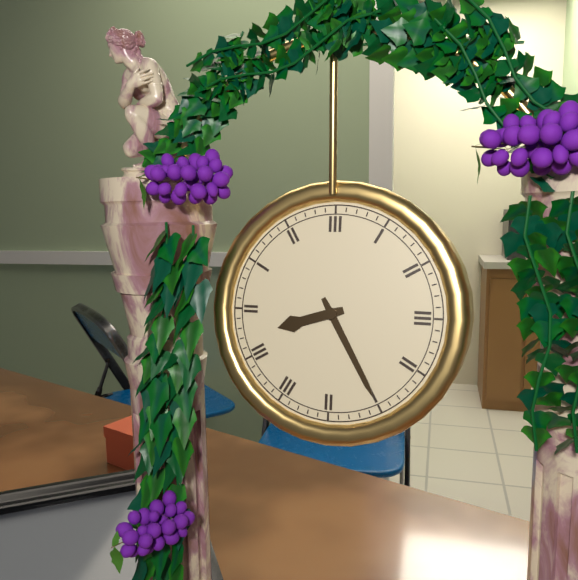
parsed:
8,25
